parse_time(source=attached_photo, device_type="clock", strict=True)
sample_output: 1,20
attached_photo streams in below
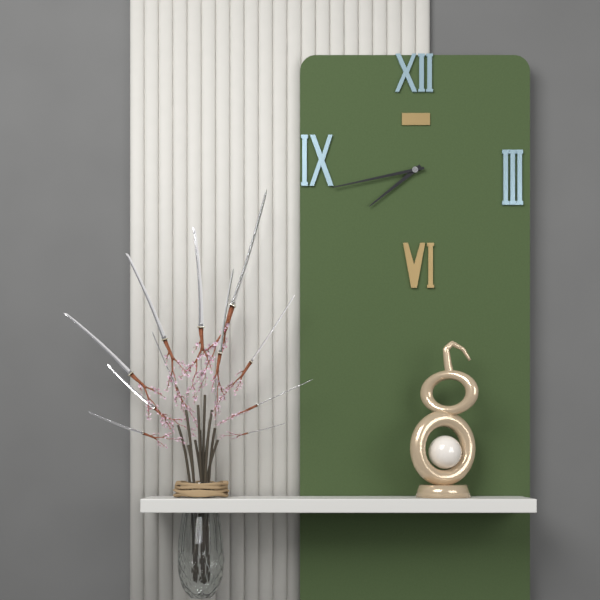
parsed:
7,43
